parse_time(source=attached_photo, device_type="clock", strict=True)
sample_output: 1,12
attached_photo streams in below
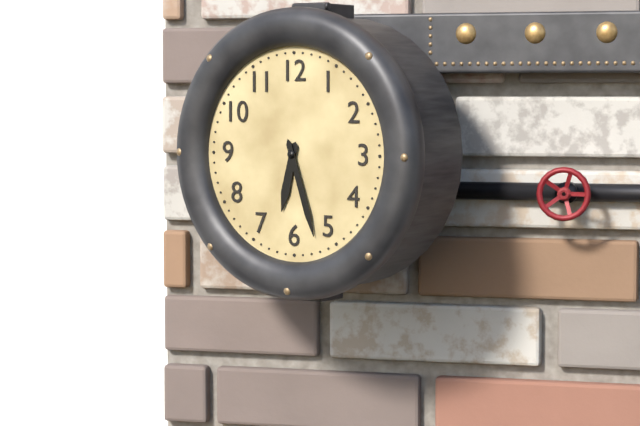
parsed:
6,27
